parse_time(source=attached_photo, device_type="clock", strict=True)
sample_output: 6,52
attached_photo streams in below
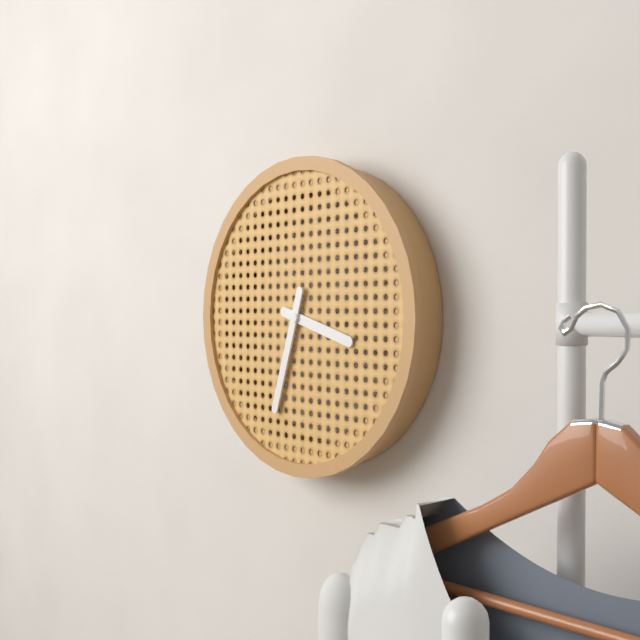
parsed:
3,33
